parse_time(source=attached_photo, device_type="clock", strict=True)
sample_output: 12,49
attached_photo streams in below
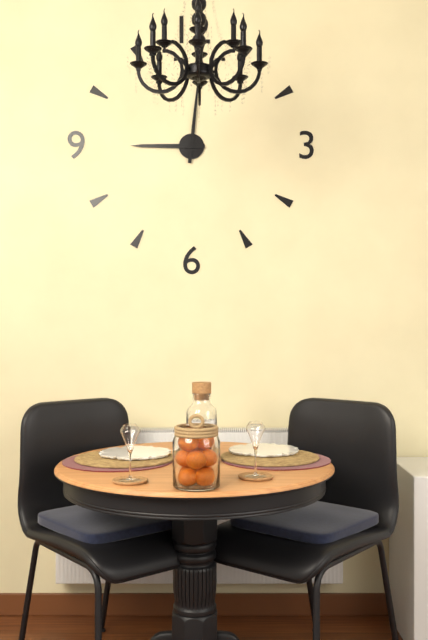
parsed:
9,01
